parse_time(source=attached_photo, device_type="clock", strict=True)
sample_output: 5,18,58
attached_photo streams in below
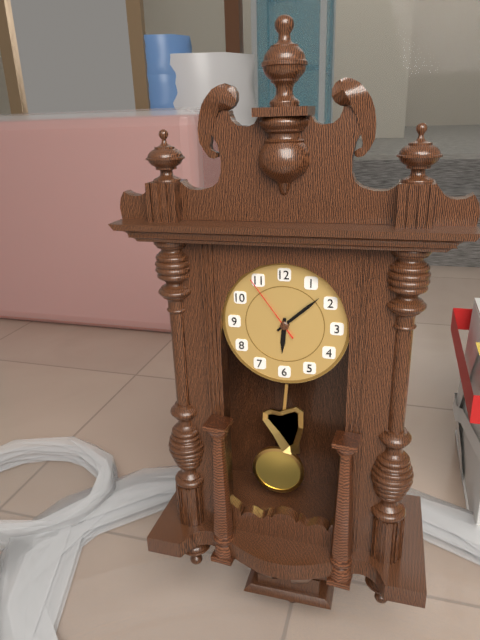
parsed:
6,08,54
